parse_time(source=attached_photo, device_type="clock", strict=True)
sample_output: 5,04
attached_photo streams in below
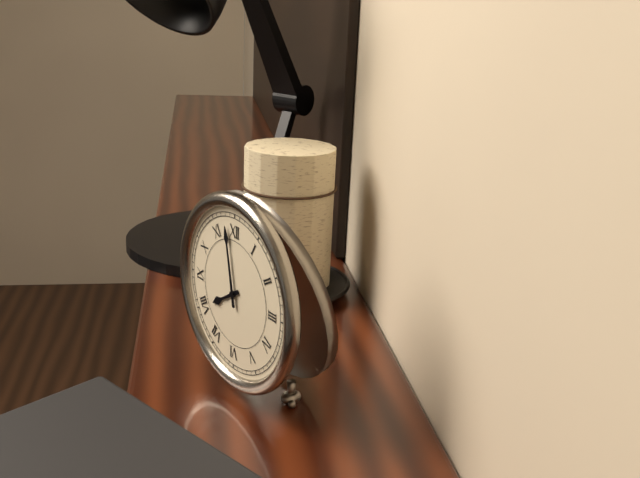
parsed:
7,58
